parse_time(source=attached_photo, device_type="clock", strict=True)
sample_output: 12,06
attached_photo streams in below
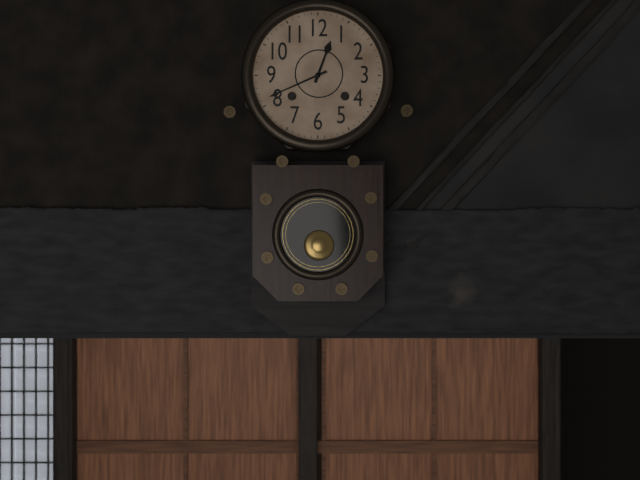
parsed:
12,41
